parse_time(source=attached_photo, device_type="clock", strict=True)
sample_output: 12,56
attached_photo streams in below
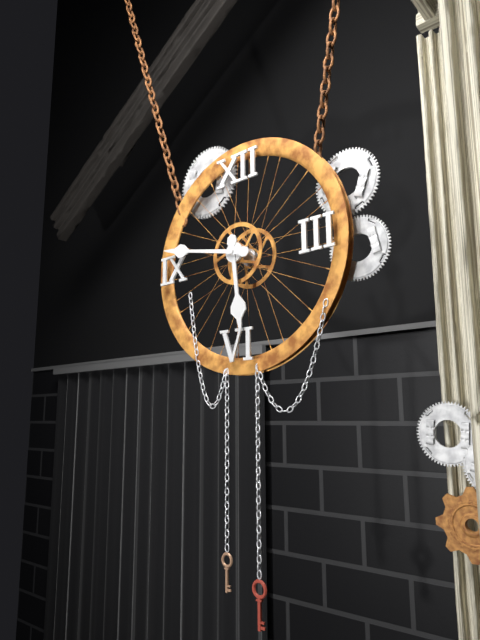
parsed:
5,47
